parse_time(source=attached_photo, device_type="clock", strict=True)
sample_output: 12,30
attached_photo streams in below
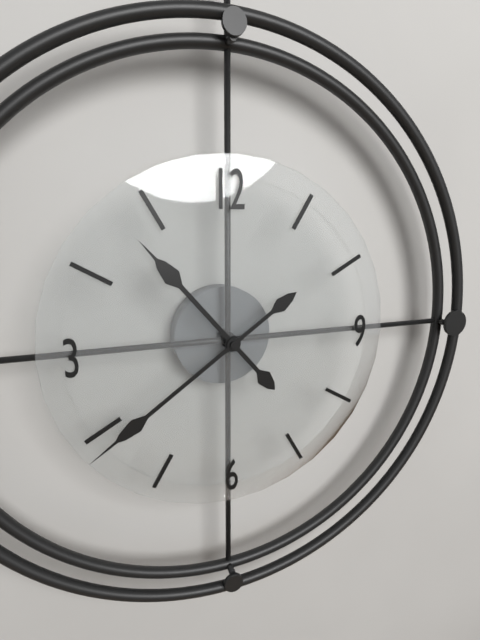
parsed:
10,39
